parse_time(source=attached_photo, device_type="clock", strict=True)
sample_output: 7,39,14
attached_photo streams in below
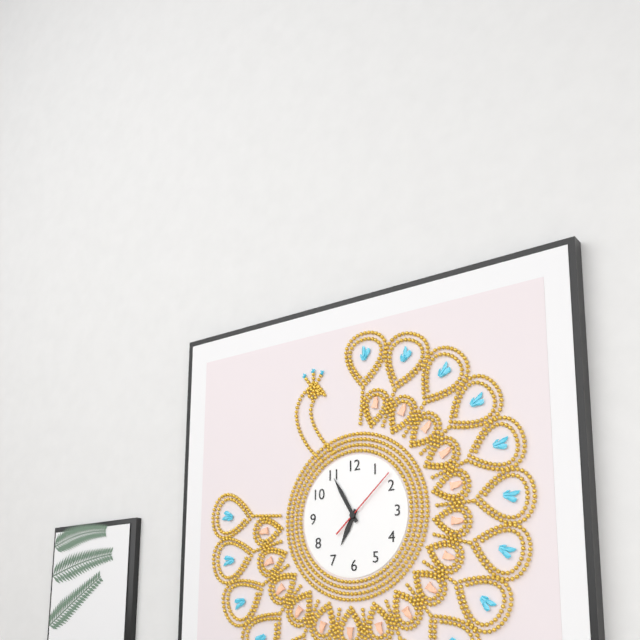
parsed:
6,55,08
